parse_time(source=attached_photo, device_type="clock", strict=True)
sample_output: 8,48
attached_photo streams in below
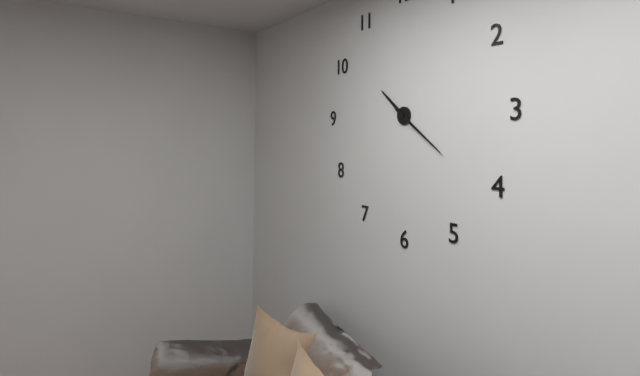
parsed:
10,21
